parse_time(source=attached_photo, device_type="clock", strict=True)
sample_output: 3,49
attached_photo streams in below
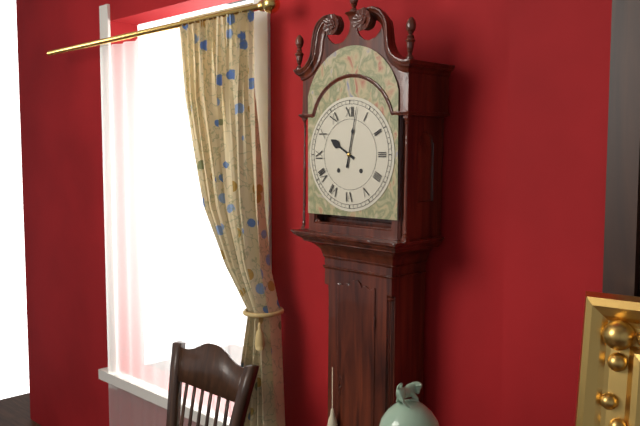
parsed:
10,02
